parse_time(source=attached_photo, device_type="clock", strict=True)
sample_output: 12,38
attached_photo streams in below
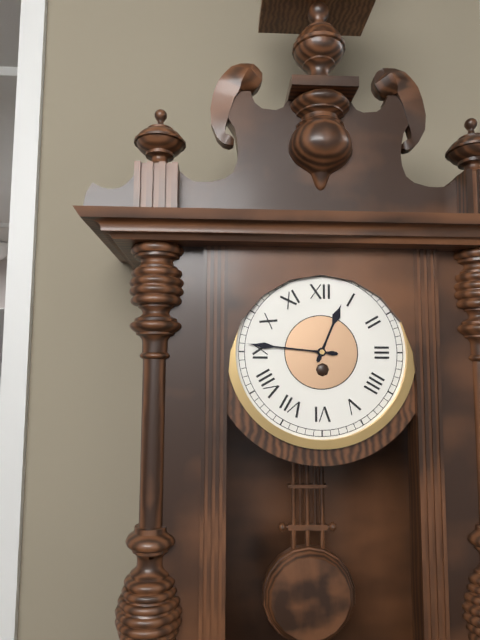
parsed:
12,46
